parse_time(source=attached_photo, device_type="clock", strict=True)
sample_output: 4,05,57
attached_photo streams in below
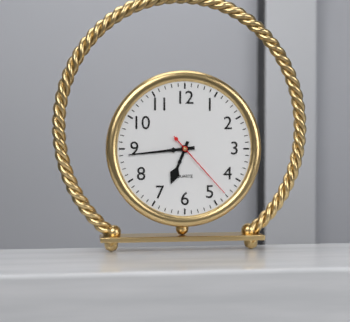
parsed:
6,44,23
